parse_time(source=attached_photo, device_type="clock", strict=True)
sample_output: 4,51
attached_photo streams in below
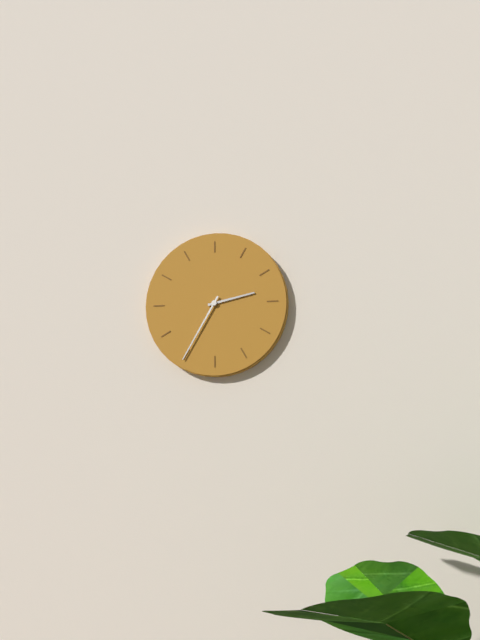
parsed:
2,35
